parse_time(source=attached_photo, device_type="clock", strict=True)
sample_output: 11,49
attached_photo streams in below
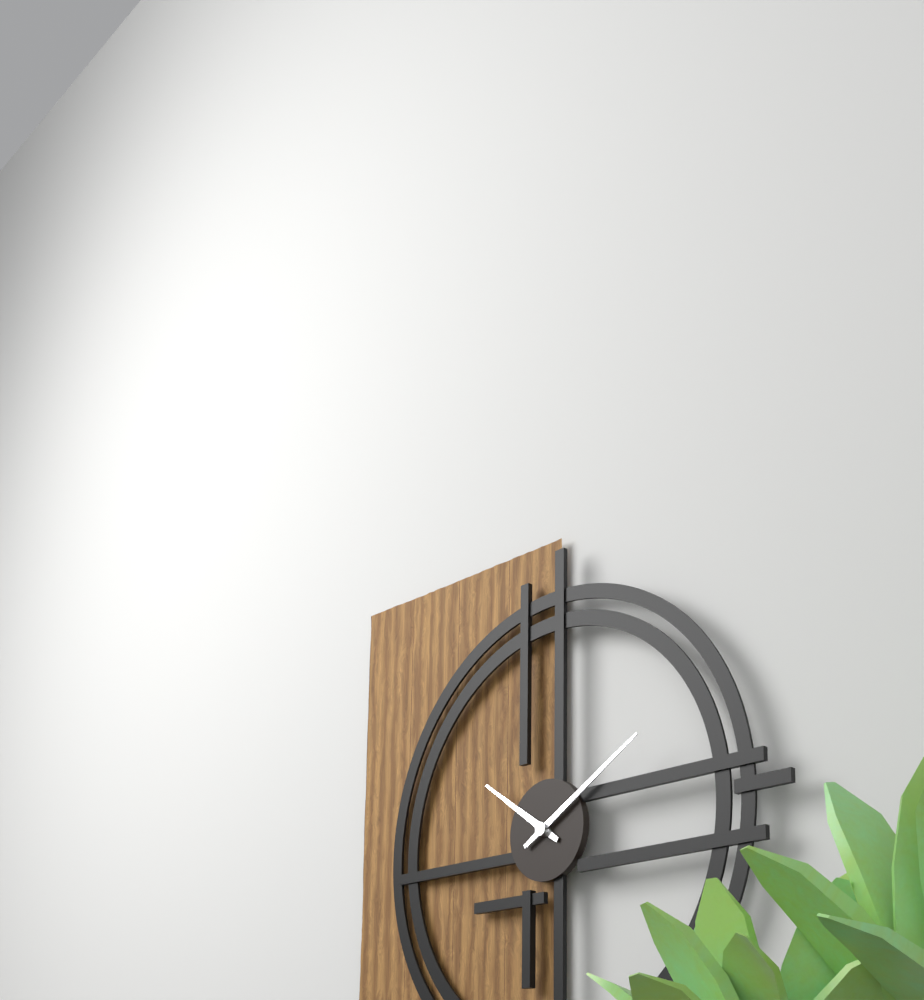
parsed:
10,10
